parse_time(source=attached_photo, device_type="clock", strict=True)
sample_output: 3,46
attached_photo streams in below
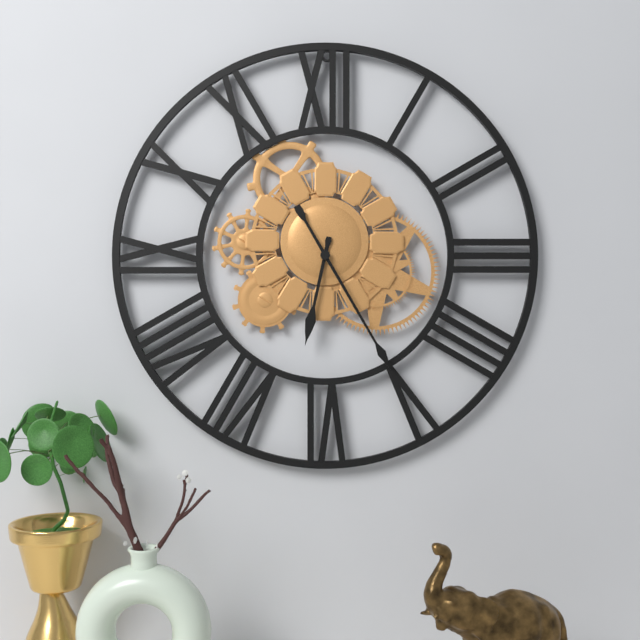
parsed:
6,25
